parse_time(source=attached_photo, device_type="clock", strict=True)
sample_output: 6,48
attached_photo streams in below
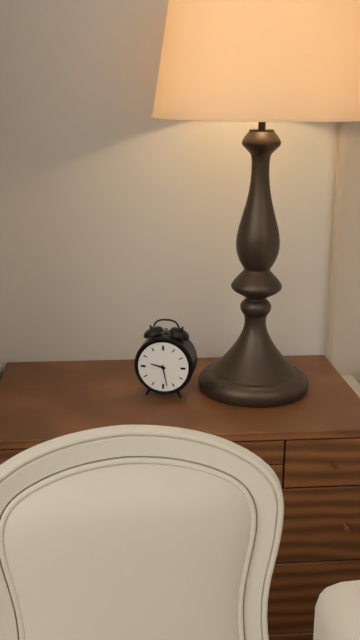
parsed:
9,28
